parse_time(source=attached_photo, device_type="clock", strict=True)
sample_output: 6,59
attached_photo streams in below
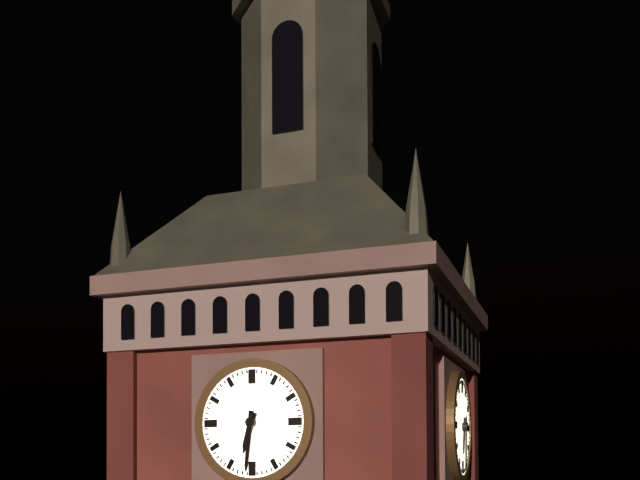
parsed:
6,31
